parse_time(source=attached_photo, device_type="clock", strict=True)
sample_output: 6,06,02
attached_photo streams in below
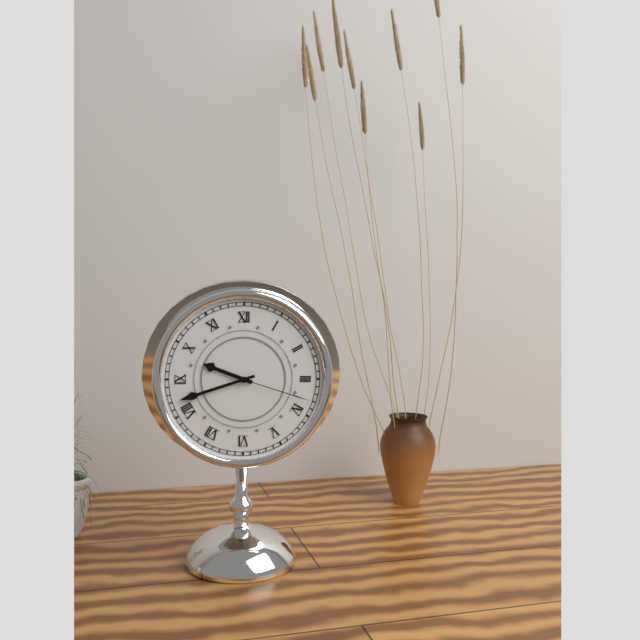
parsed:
9,42,18
